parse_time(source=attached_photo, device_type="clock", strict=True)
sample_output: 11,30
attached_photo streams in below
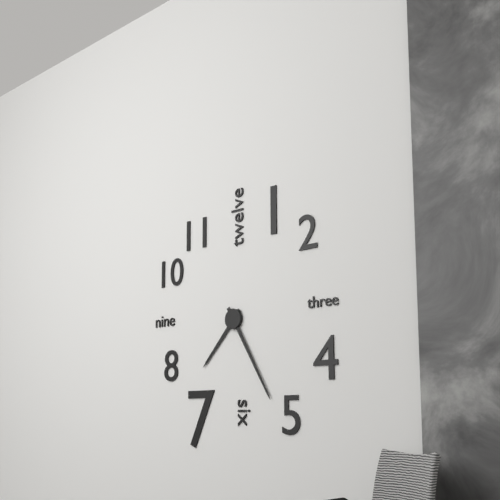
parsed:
7,25
